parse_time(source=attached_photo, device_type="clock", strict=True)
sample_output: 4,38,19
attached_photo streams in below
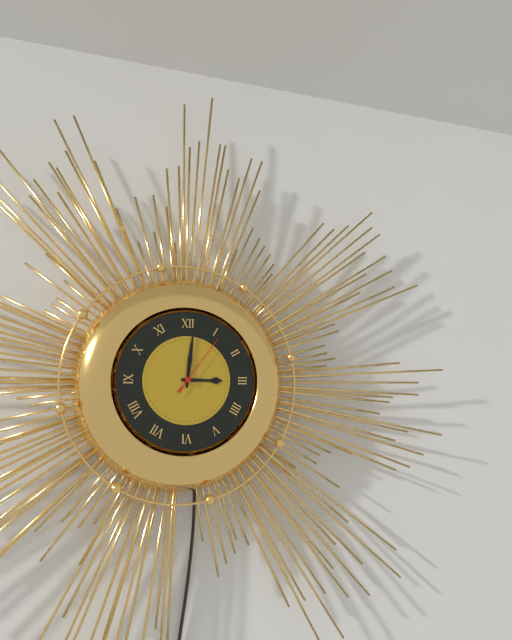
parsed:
3,01,06
